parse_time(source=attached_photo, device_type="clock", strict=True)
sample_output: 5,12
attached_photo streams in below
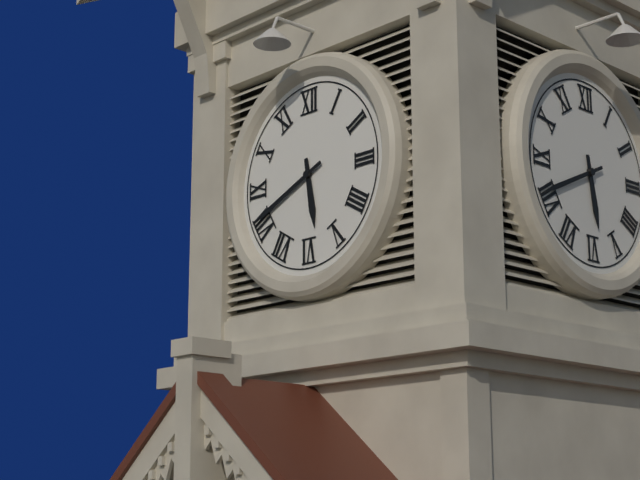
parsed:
5,41
